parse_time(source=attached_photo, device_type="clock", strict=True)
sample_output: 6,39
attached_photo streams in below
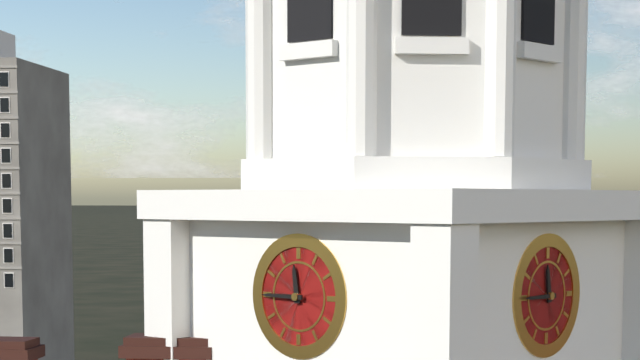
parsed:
11,45
